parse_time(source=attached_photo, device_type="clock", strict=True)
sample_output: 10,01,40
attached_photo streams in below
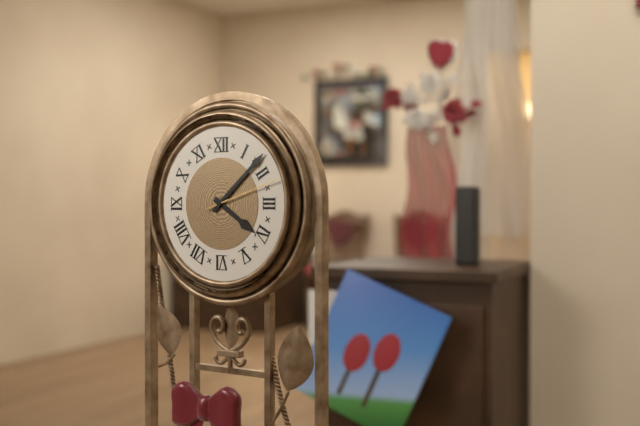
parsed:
4,08,12
